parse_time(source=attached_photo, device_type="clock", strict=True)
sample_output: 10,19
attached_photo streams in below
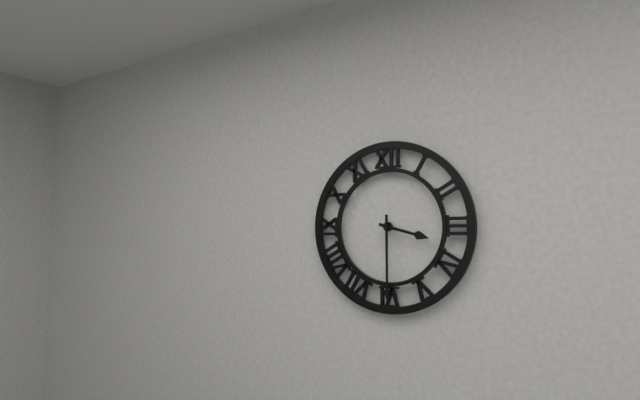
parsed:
3,30
